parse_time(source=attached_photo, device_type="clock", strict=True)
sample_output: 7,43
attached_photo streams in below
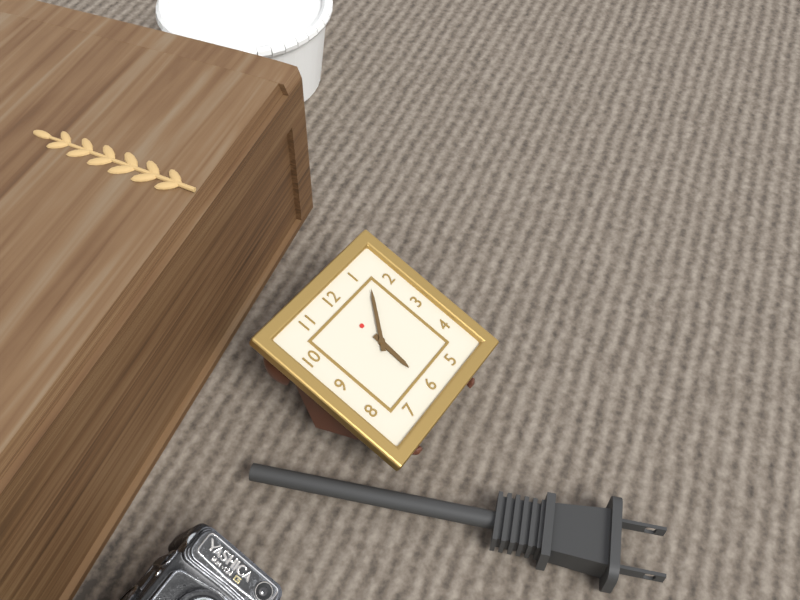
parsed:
6,07
